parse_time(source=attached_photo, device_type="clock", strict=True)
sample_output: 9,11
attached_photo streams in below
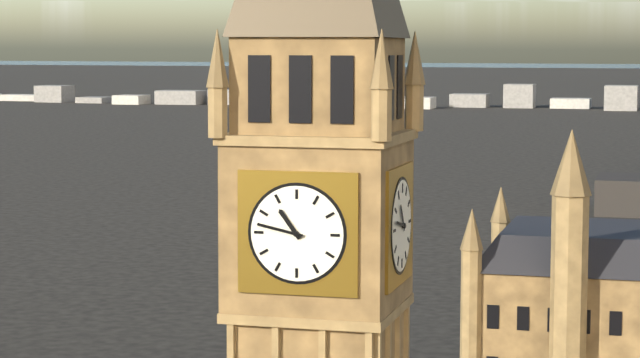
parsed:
10,47
